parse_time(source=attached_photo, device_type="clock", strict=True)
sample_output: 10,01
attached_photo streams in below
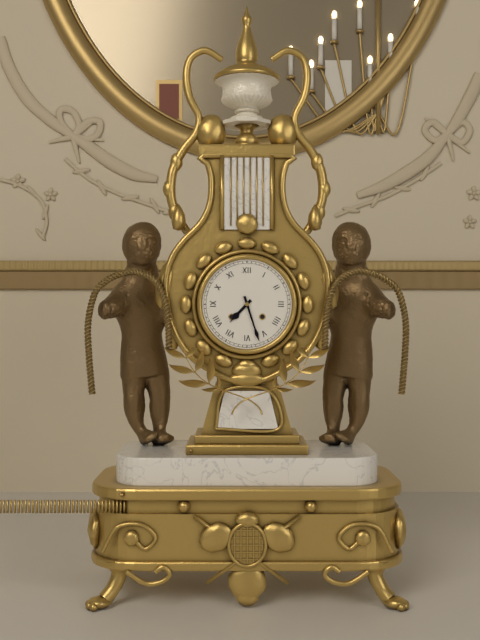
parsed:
7,27
